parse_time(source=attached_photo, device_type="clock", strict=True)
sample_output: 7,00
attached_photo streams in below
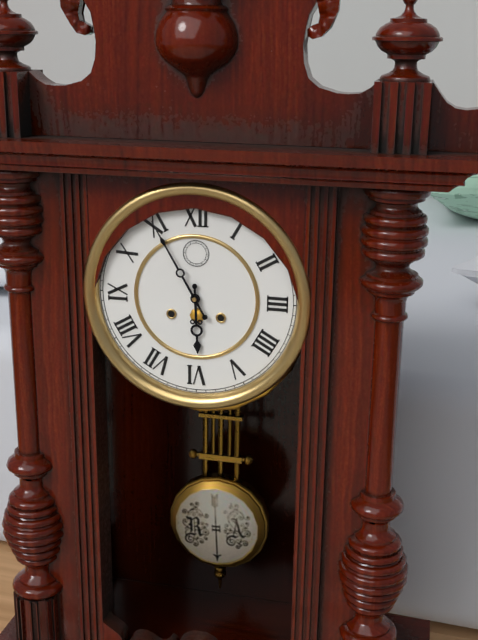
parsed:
5,55
